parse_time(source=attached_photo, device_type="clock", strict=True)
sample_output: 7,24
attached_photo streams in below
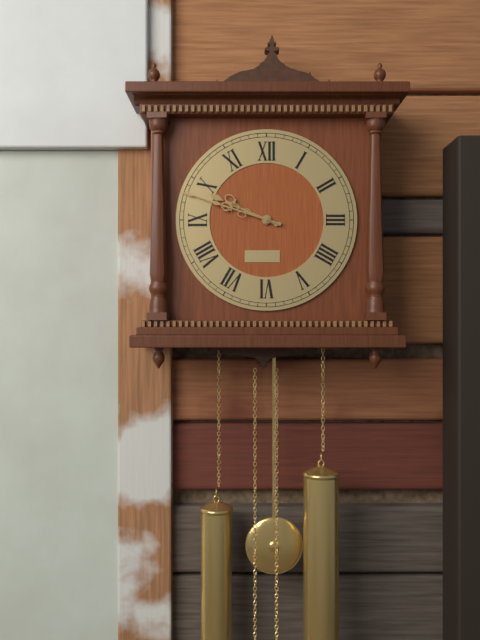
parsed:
9,48
